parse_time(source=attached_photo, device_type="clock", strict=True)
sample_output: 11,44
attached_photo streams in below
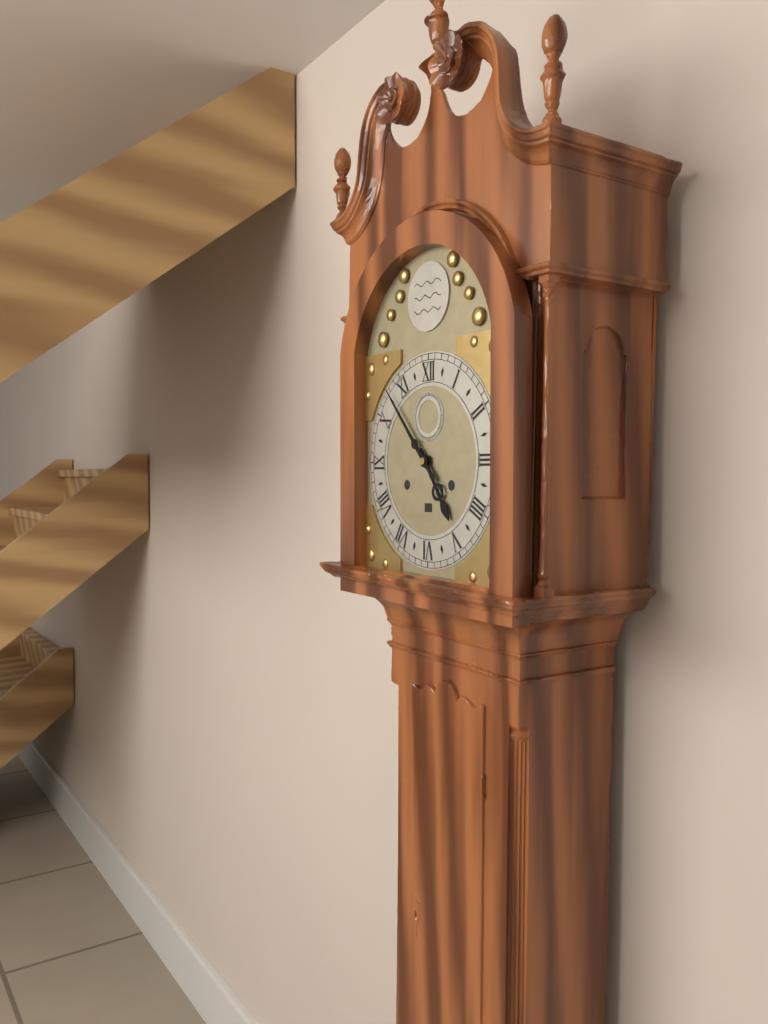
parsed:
4,53
